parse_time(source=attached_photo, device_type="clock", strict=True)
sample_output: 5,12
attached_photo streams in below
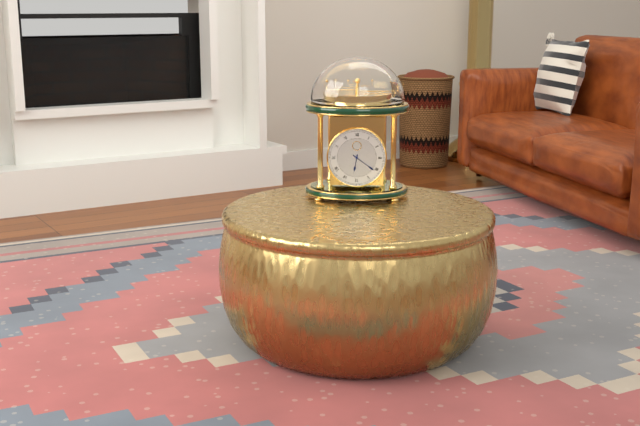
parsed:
6,21
